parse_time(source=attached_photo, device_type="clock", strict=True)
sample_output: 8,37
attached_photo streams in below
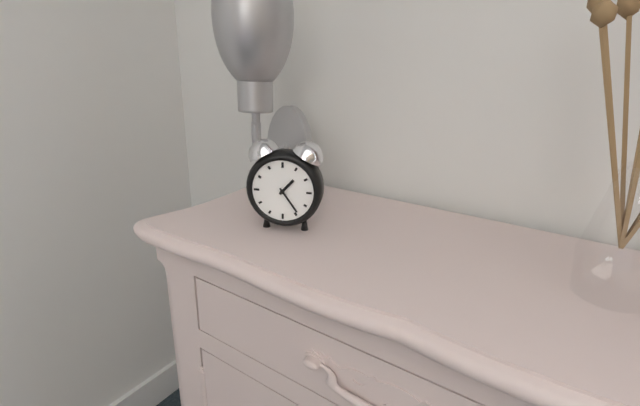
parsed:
1,24
